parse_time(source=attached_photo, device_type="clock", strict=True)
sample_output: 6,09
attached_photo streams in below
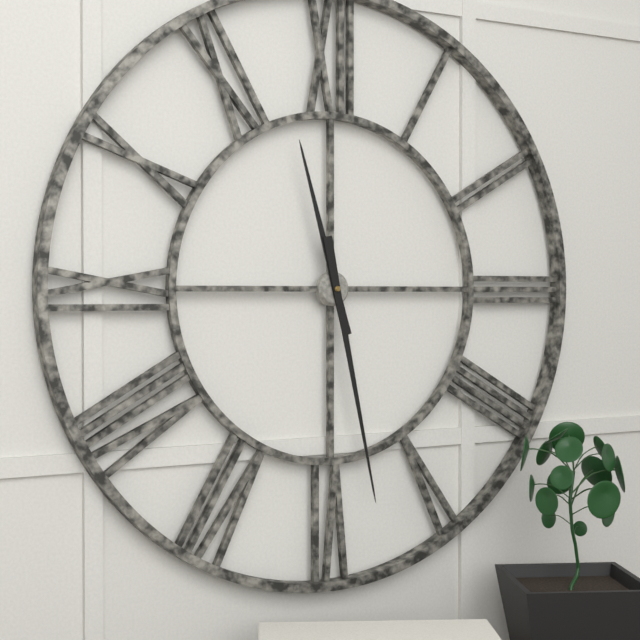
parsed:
11,28
